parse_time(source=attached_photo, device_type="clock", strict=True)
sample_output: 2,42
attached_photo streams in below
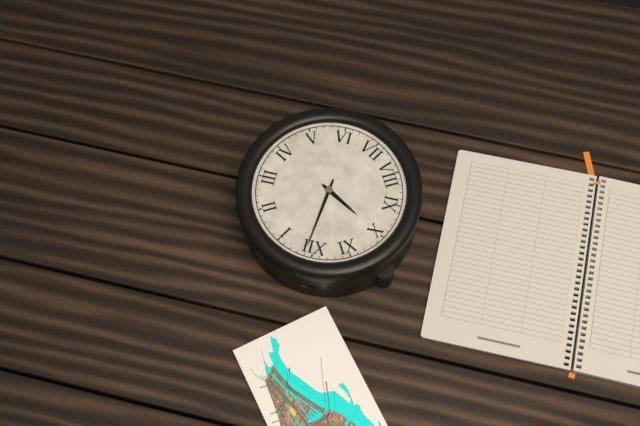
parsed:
10,01
